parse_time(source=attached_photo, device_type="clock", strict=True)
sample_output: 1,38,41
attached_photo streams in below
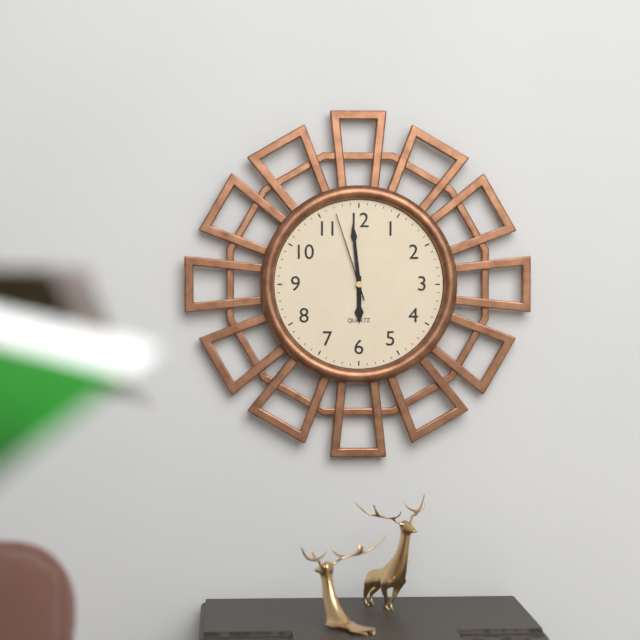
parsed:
5,59,57
